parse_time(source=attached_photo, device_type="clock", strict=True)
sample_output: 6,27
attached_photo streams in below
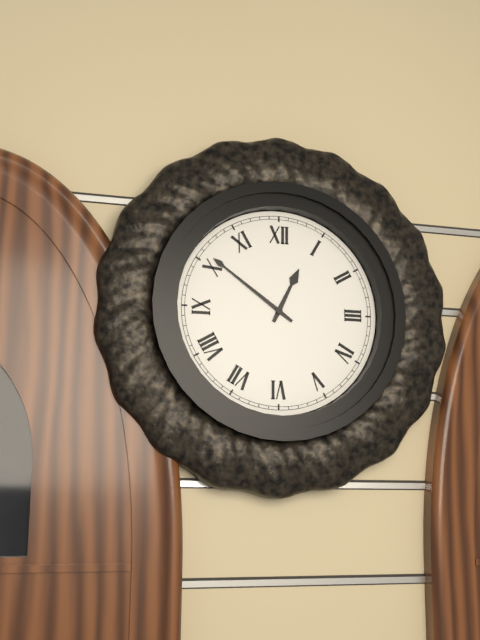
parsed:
12,51
